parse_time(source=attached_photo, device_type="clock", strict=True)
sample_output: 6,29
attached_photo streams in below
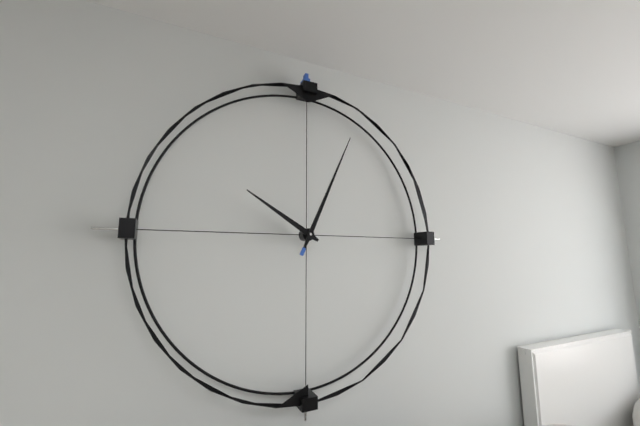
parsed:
10,04
